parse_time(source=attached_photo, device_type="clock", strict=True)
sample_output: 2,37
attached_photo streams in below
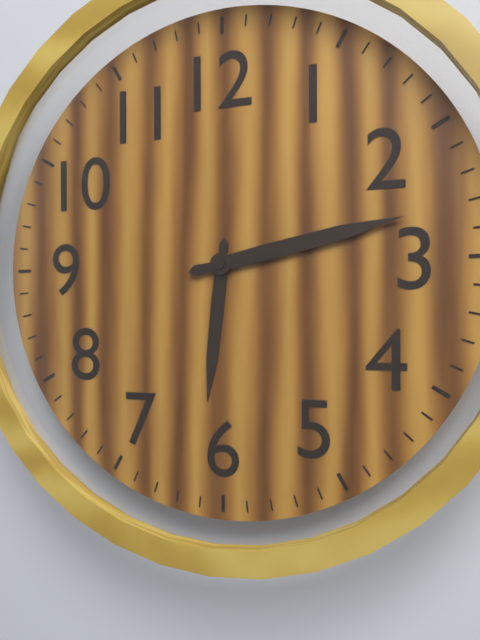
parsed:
6,13
